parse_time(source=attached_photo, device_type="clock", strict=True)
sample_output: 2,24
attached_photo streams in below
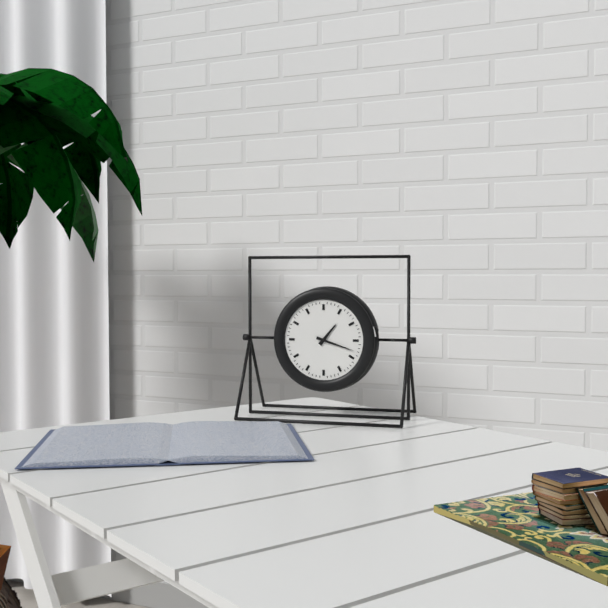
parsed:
1,18
